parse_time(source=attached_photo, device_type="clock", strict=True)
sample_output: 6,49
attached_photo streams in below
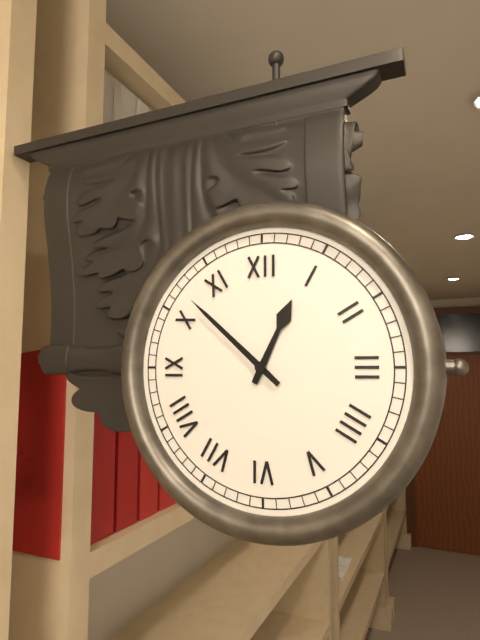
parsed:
12,52
